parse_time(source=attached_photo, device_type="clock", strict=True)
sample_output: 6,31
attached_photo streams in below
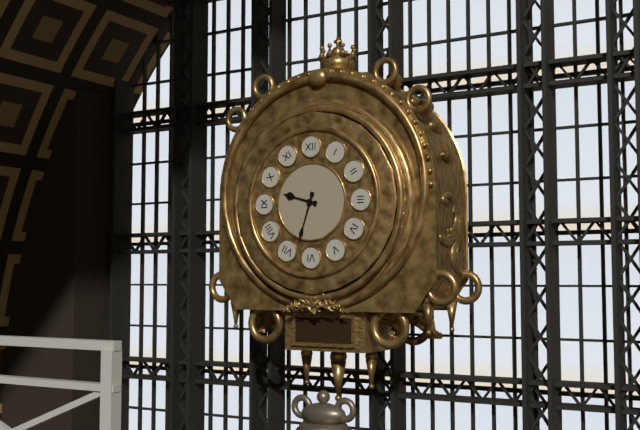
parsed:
9,33
